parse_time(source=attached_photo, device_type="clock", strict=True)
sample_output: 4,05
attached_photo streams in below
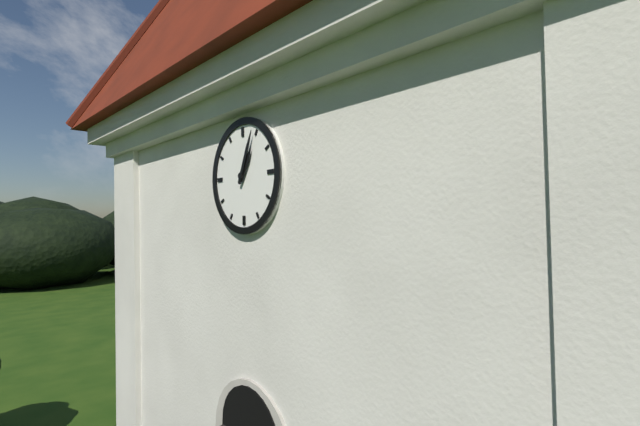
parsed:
1,04
